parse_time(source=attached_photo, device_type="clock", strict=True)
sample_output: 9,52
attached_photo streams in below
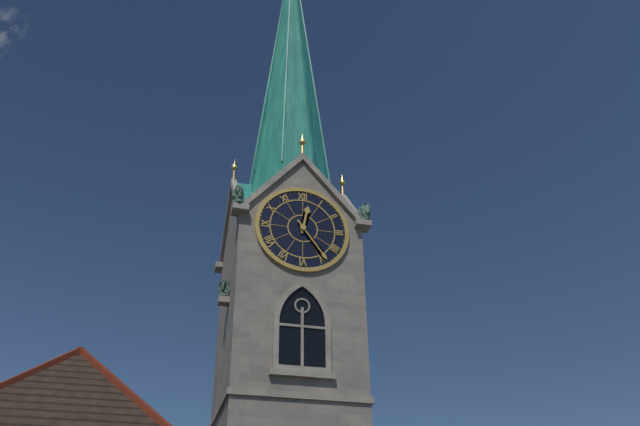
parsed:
12,24
